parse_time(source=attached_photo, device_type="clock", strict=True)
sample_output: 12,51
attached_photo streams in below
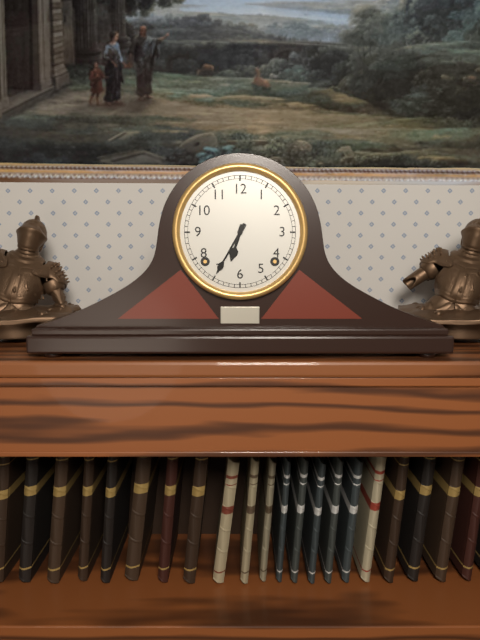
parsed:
6,35
